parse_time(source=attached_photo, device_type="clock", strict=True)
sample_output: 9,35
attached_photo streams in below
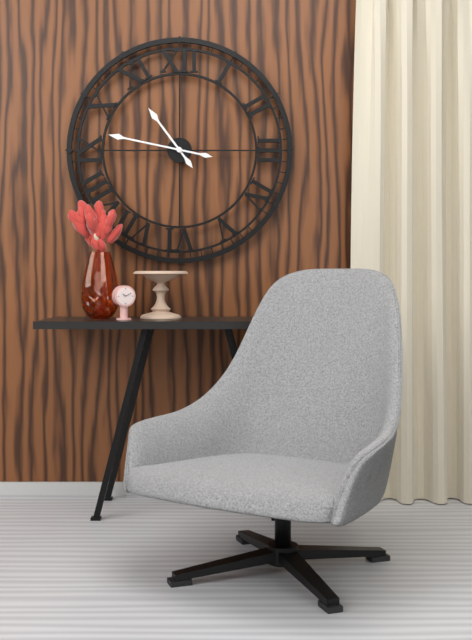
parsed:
10,47
